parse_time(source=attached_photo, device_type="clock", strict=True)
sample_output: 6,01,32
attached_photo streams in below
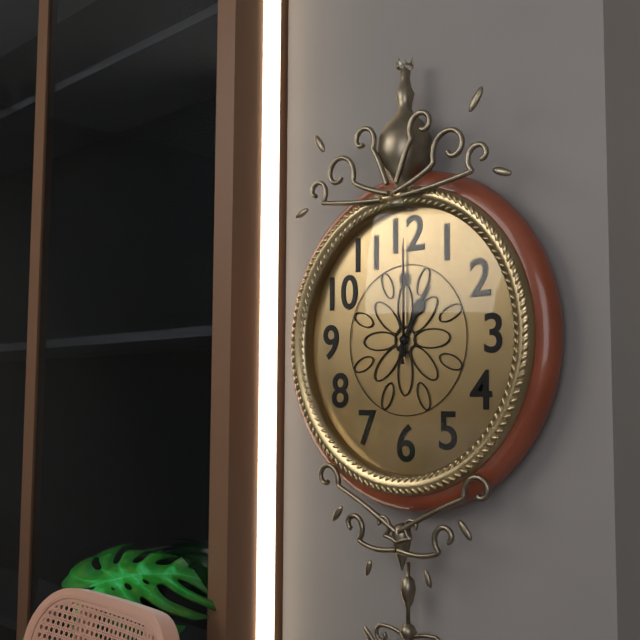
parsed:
1,00,00
